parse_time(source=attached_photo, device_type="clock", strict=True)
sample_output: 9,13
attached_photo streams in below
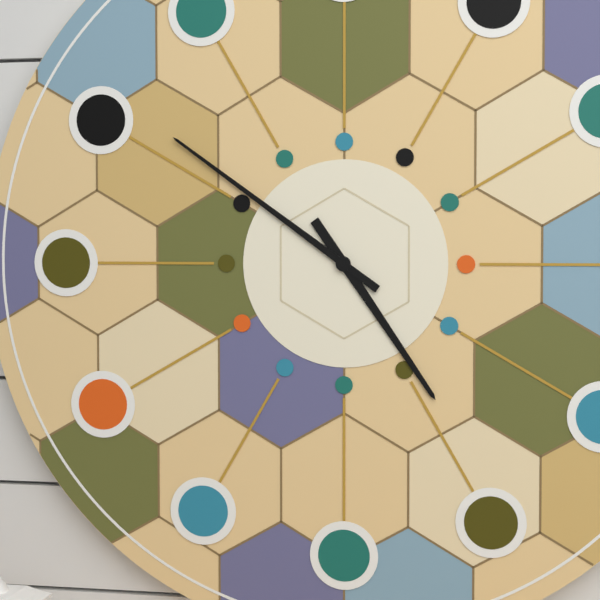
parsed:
4,51
